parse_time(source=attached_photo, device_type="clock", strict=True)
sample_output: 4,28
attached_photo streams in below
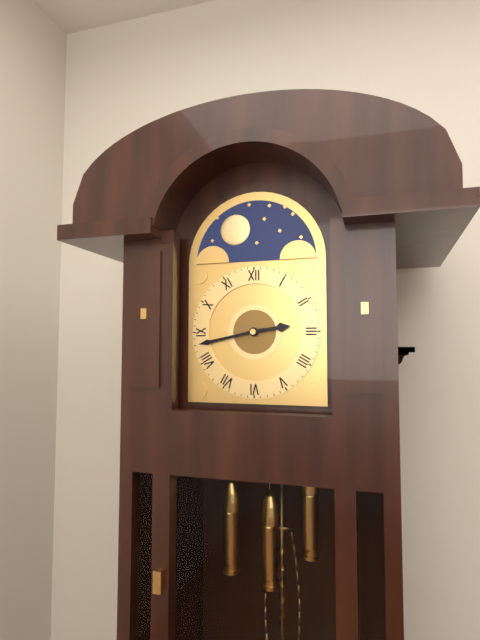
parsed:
2,43
